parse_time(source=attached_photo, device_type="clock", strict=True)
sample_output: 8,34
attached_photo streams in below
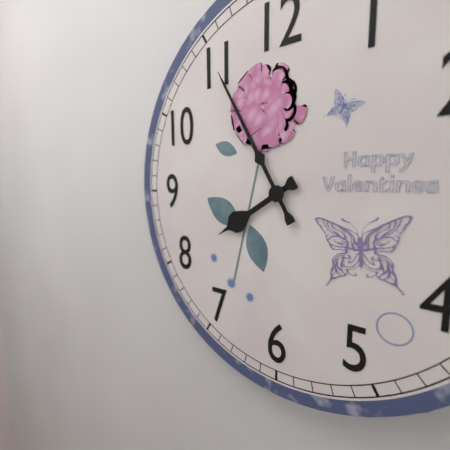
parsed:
7,55
